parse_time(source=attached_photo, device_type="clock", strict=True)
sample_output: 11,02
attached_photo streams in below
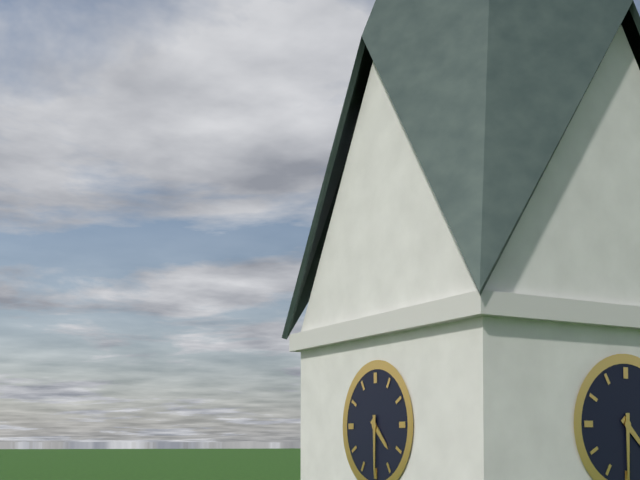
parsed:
4,30
